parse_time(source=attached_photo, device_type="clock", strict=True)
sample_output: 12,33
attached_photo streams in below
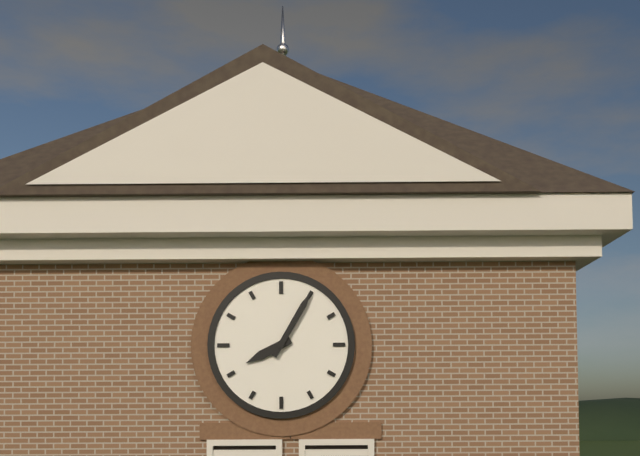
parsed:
8,05
